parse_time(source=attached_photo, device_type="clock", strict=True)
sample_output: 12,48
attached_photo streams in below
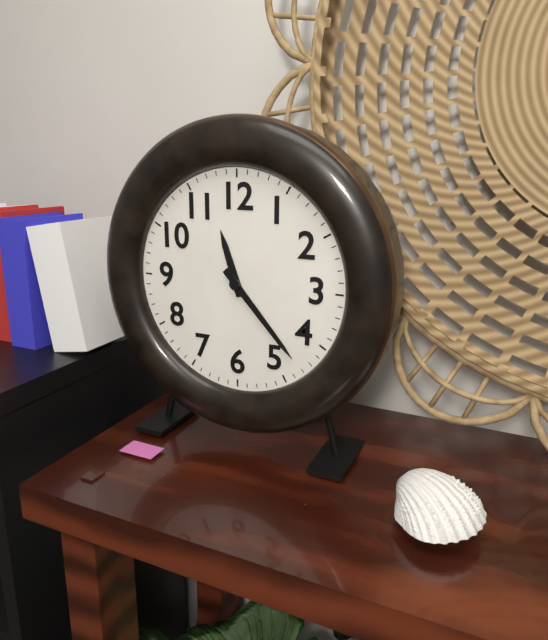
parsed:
11,23
